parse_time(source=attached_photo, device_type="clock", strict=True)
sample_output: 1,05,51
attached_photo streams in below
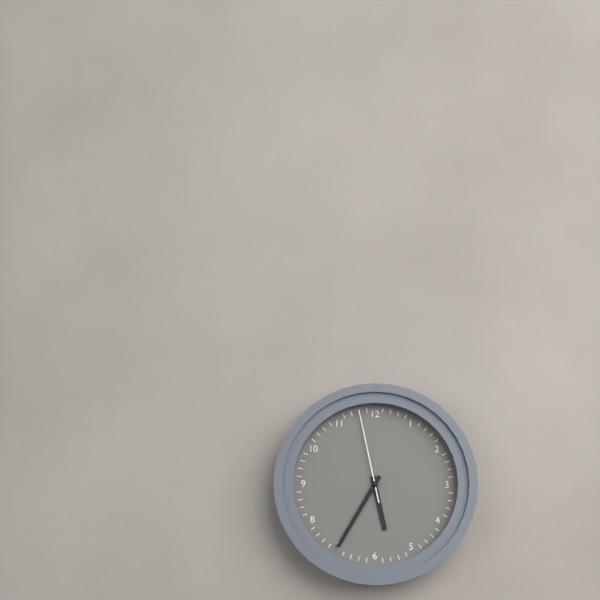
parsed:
5,35,58
